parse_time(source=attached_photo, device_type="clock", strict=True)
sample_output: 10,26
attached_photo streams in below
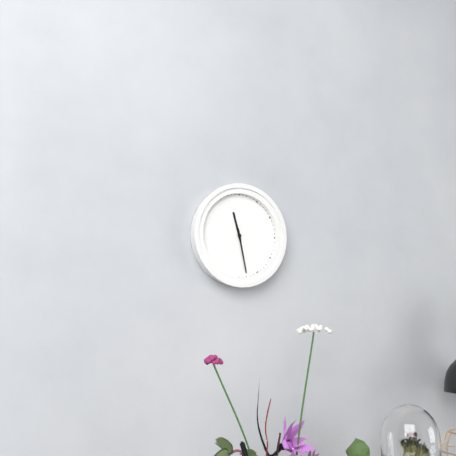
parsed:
11,28
